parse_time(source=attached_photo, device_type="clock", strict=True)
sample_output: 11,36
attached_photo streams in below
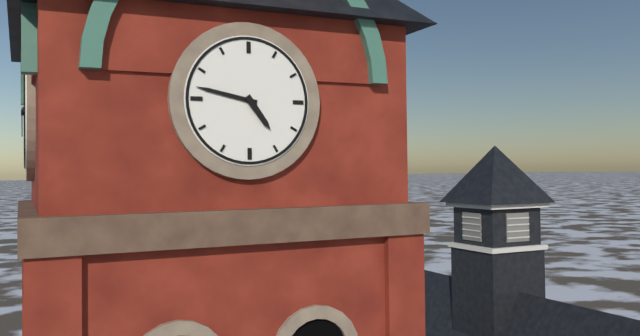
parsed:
4,47
